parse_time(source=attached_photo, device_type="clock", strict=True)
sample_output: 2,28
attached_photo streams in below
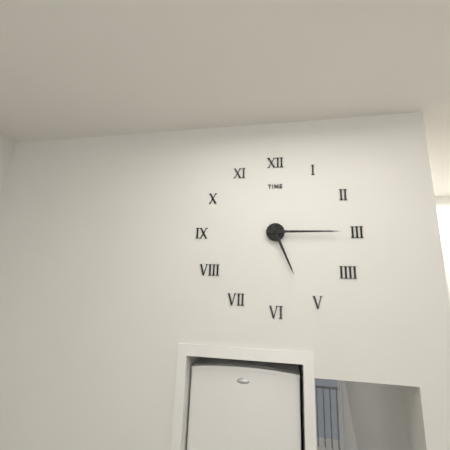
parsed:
5,15
